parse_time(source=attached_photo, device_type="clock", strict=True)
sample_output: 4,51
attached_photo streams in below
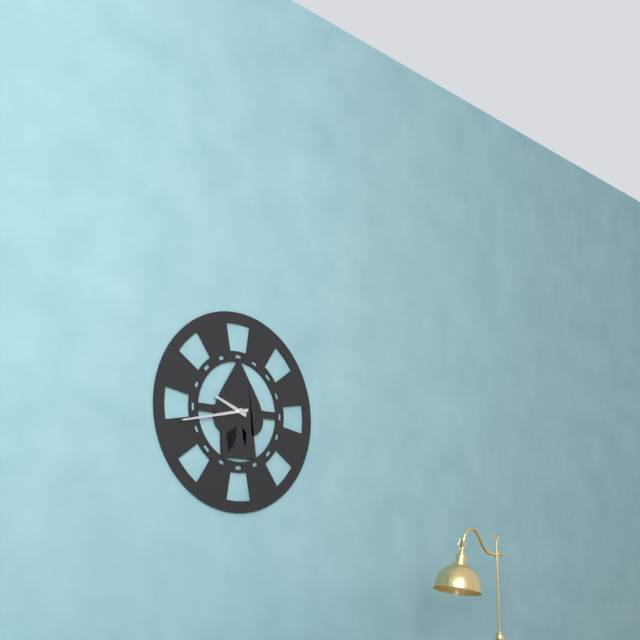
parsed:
9,43
